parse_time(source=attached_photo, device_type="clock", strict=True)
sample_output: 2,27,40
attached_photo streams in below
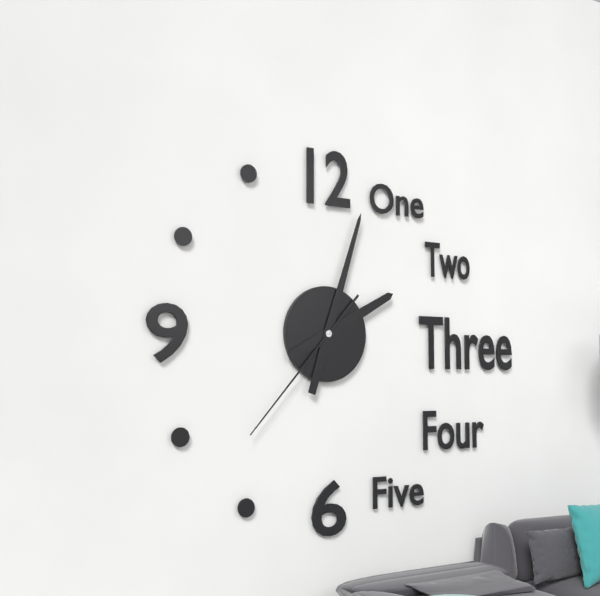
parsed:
2,03,37
